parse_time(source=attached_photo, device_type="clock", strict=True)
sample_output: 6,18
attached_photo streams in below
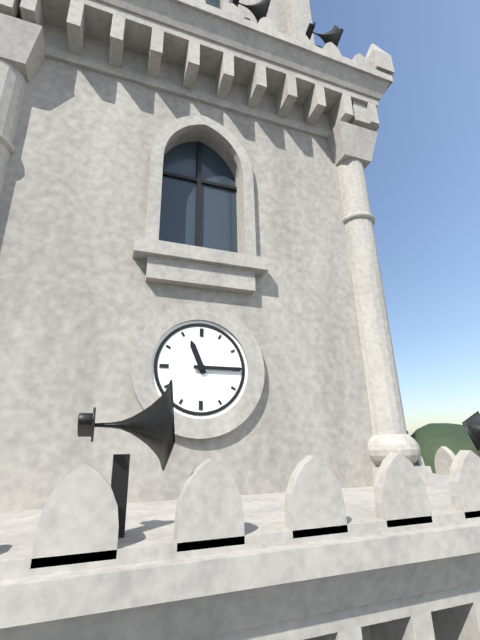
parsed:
11,15
